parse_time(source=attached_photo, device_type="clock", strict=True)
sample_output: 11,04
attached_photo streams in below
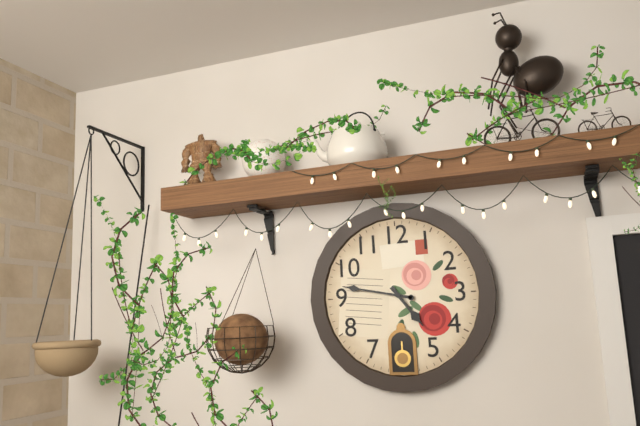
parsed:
4,47
